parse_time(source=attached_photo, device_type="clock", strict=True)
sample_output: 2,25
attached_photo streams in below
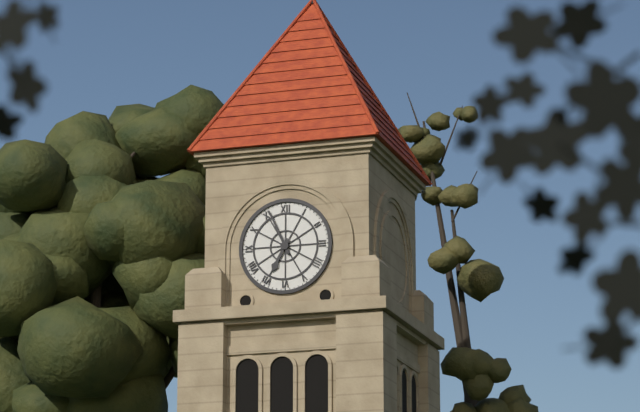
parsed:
6,56
